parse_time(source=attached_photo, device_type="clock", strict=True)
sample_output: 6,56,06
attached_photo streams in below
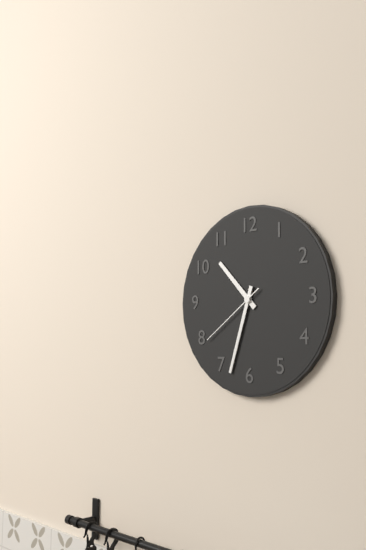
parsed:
10,33,39
